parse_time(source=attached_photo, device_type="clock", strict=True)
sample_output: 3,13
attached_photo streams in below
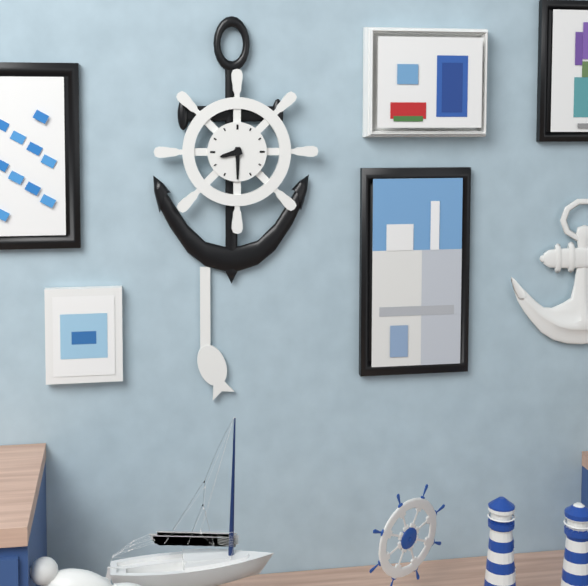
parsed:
8,30
